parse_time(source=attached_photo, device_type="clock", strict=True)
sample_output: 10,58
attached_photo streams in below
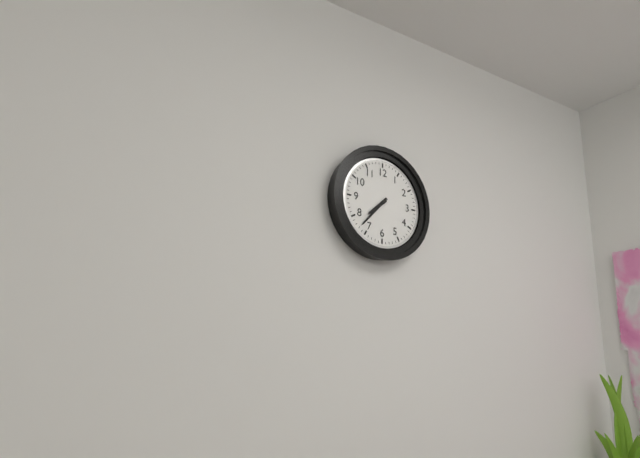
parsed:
7,37
